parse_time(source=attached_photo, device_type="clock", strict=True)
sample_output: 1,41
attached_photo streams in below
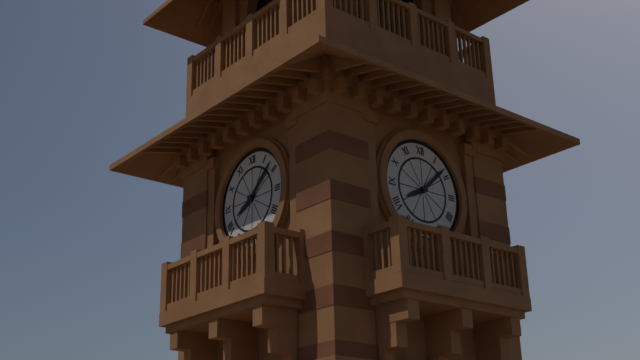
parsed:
8,08
